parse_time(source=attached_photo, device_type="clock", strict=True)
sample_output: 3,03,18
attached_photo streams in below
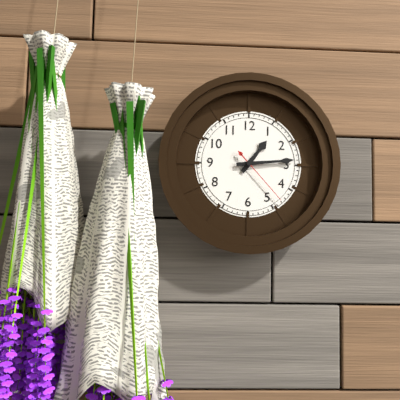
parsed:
1,14,23
